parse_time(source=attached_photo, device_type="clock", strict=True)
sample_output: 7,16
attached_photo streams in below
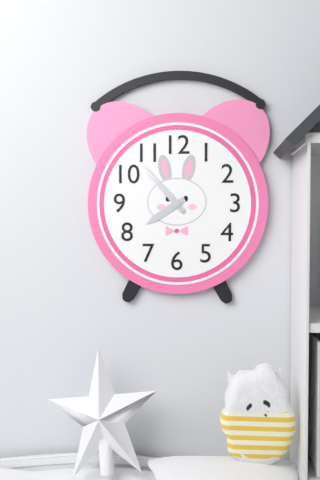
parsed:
7,53
